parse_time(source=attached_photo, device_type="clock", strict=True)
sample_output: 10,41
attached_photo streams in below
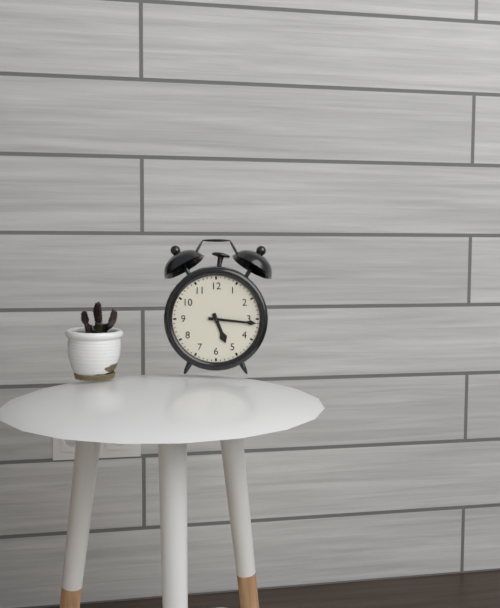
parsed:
5,16
